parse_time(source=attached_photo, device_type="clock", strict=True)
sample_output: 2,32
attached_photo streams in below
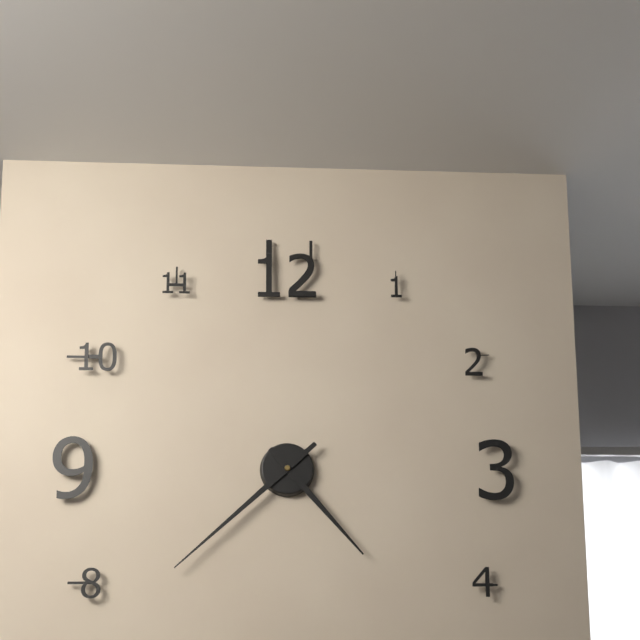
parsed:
4,38
